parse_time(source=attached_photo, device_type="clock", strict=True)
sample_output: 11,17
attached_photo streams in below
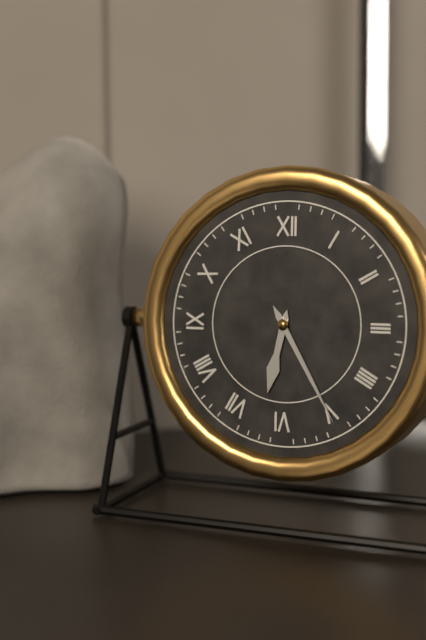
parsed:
6,25
